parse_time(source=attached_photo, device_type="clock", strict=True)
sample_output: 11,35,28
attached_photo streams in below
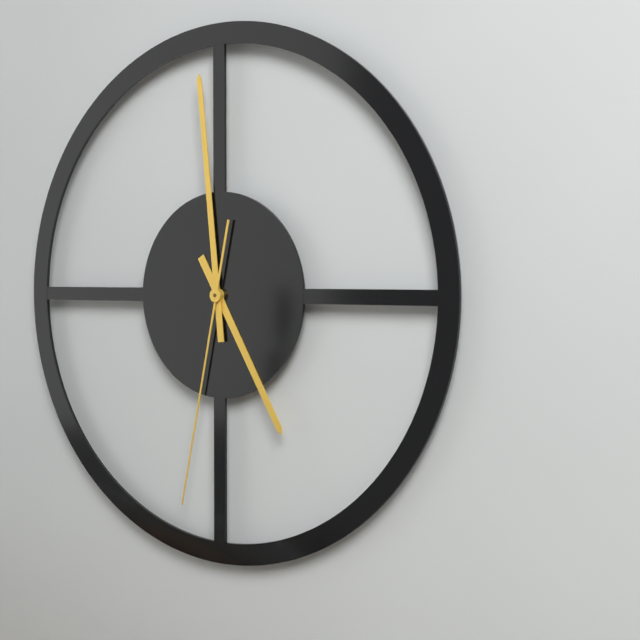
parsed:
4,59,32
